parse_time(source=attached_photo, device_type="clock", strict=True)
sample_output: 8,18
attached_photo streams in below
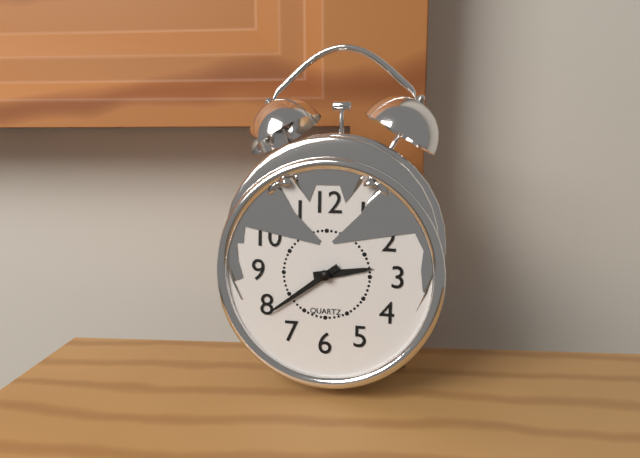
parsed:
2,39
